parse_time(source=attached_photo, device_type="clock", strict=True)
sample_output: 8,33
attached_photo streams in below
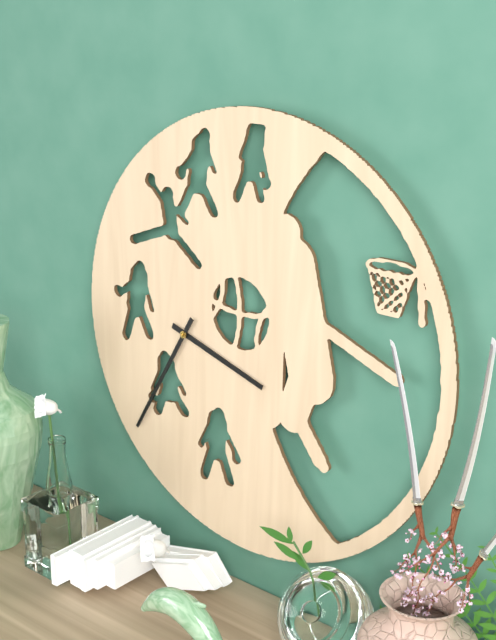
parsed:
3,35
